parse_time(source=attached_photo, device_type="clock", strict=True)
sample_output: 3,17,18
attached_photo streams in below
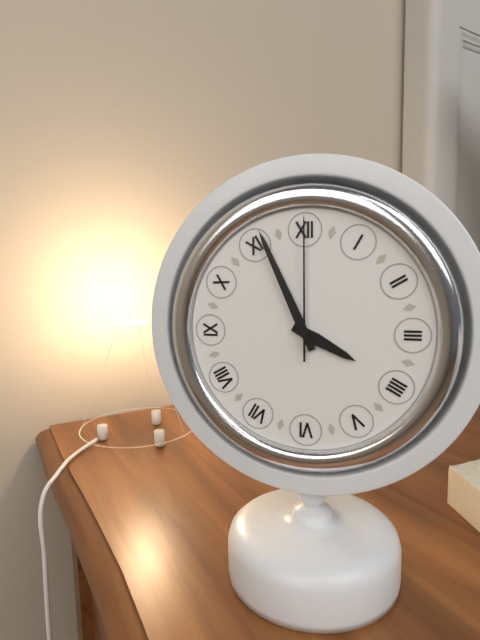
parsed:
3,56,00
